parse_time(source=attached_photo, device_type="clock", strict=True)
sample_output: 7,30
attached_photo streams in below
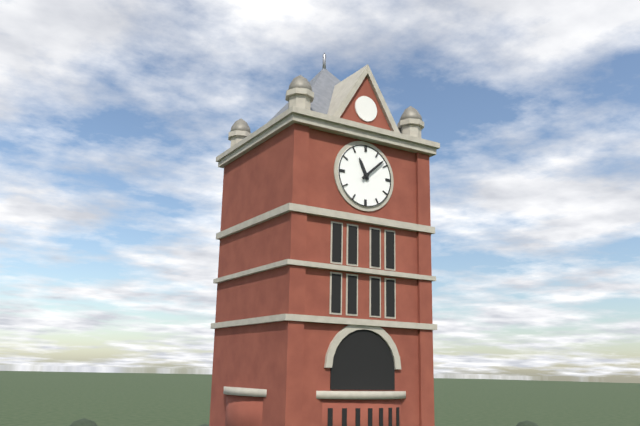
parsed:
11,08
